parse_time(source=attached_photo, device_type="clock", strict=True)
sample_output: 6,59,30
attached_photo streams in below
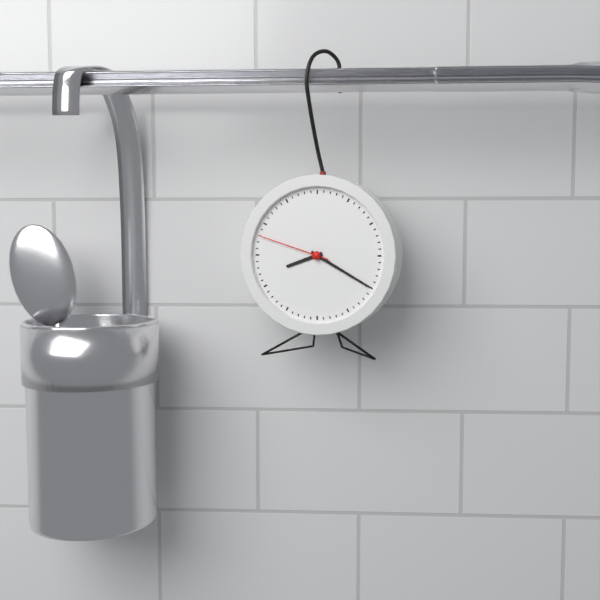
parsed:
8,20,48
